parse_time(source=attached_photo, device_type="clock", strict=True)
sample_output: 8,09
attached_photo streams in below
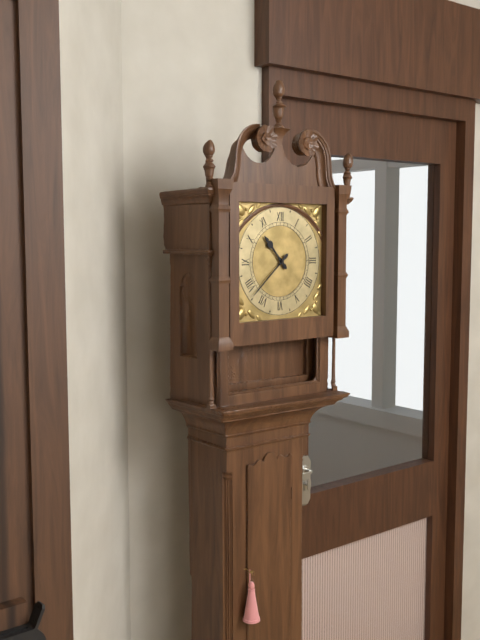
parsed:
10,38
